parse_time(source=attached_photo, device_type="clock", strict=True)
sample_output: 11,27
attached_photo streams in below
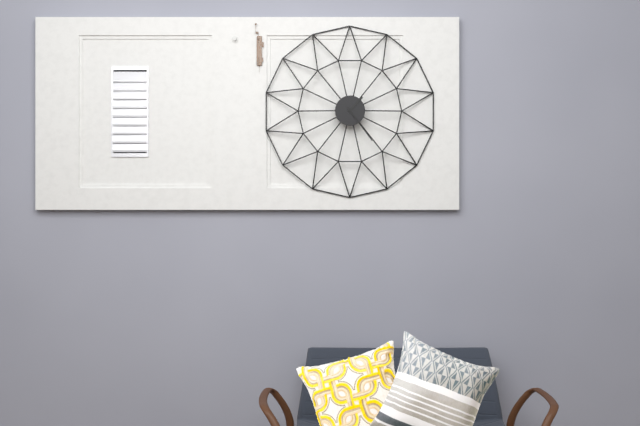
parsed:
1,24
